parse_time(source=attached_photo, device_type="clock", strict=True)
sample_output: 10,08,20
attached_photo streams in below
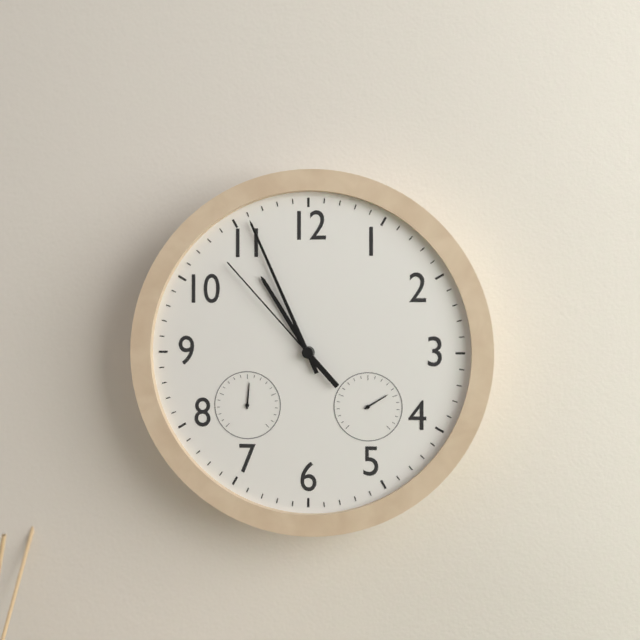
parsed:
10,56,53
